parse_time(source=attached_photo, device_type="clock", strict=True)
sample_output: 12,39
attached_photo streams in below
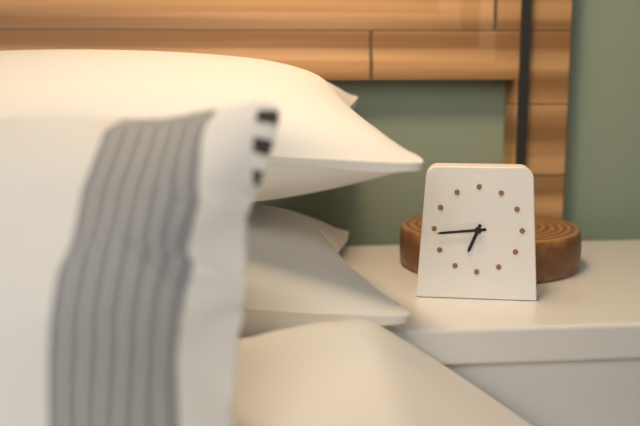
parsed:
6,44
